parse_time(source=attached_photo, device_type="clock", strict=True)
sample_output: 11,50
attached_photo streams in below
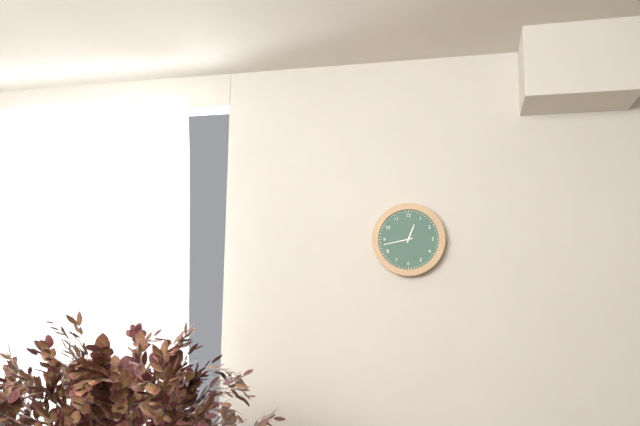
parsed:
12,43
